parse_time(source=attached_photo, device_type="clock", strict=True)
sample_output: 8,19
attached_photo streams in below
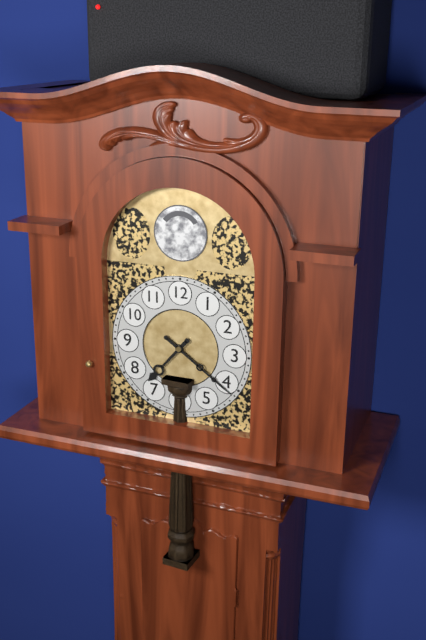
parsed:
7,21
